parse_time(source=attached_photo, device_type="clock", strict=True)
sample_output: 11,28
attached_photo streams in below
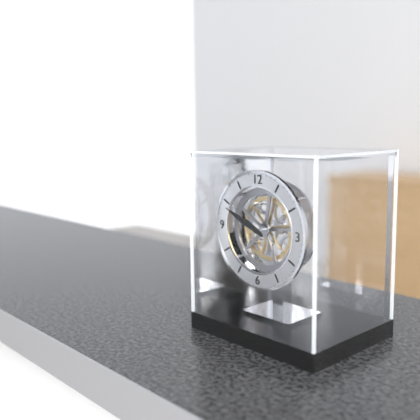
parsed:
9,49
